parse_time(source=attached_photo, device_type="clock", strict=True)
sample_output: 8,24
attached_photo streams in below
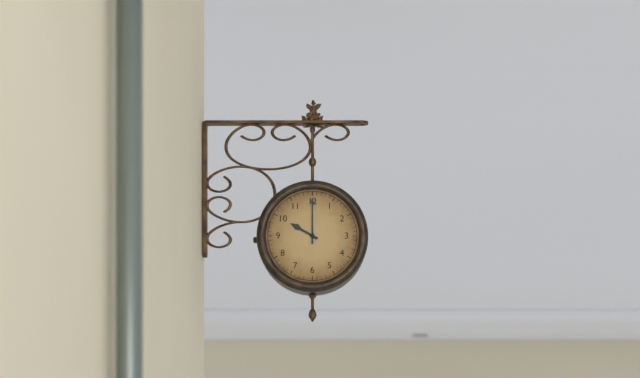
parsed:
10,00
